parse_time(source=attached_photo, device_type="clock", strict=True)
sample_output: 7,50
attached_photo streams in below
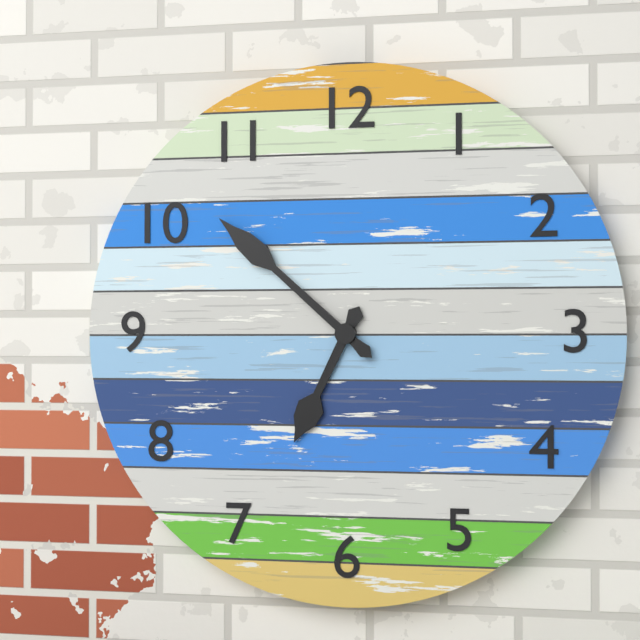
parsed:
6,52
